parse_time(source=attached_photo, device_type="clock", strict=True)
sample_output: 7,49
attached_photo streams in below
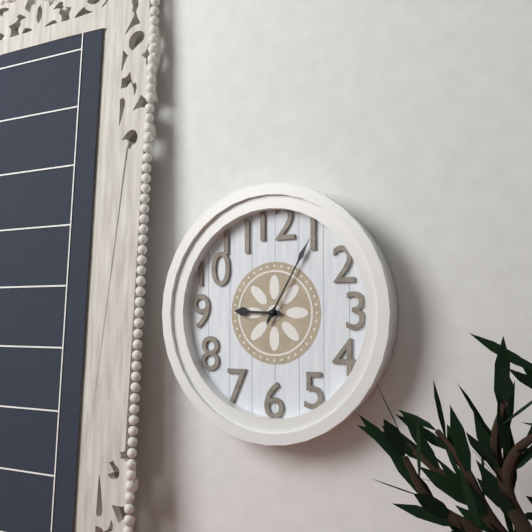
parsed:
9,05
